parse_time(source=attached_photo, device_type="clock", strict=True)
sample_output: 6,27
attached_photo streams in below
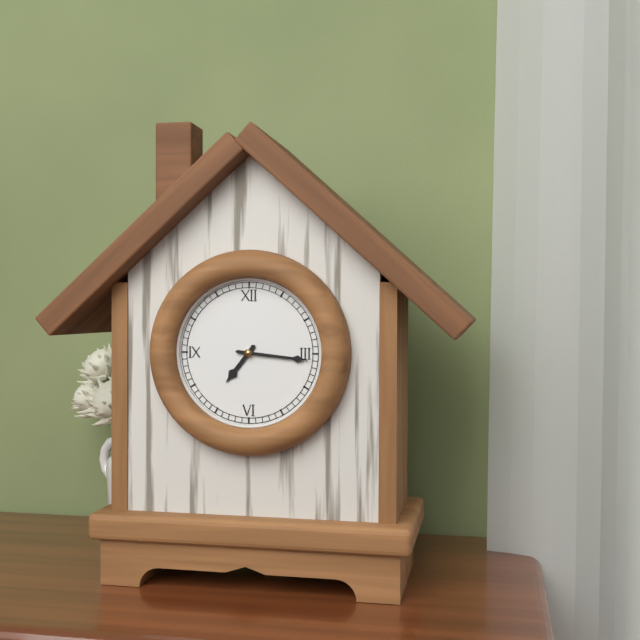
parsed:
7,16
